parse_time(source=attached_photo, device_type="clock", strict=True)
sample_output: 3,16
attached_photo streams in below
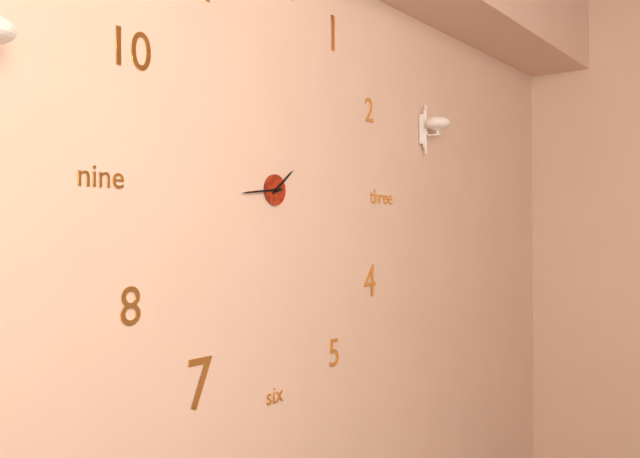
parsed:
1,44
